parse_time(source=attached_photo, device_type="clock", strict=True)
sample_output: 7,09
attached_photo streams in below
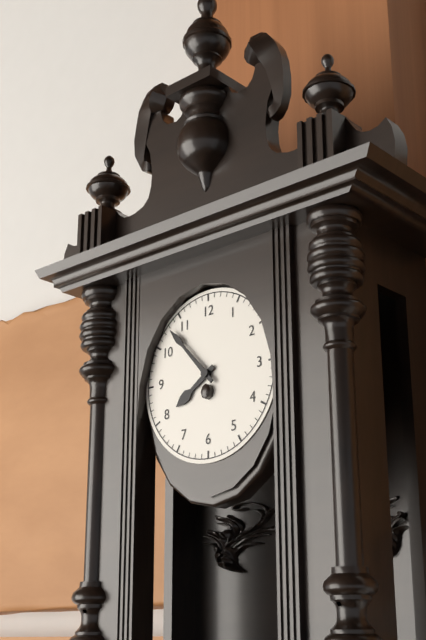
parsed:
7,53
